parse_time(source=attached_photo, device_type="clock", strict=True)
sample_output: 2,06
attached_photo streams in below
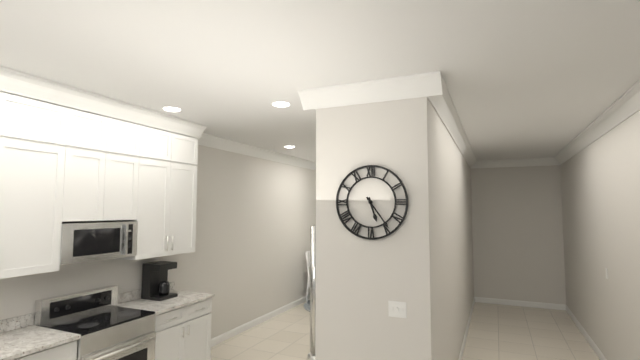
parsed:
5,24
